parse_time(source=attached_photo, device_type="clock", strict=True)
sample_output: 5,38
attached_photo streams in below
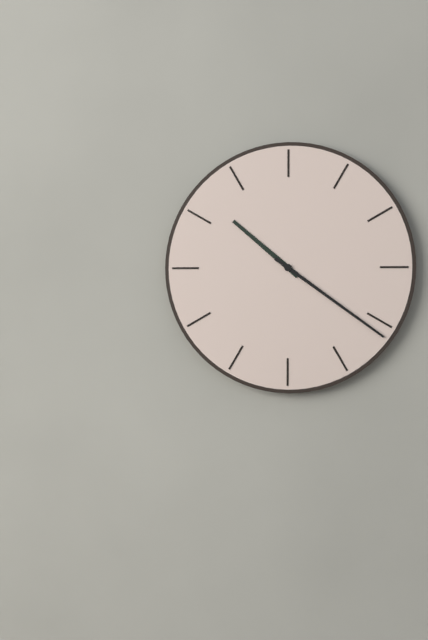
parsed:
10,21
